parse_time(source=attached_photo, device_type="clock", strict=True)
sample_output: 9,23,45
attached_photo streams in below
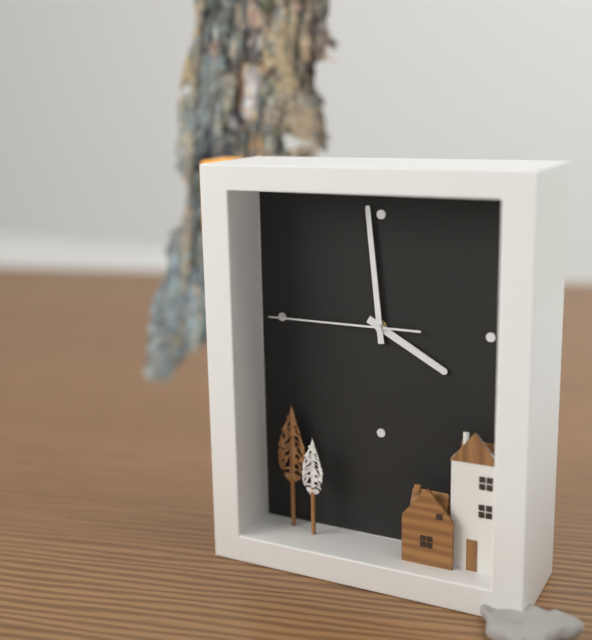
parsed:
3,59,45
